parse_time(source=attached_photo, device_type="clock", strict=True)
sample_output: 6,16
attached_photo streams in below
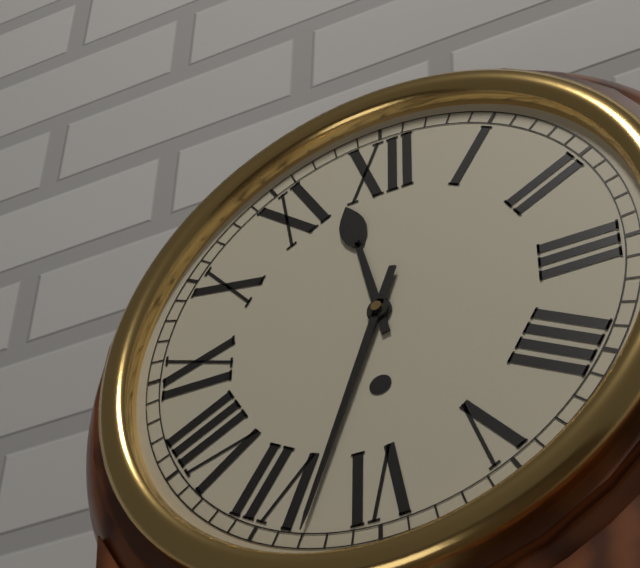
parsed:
11,33
